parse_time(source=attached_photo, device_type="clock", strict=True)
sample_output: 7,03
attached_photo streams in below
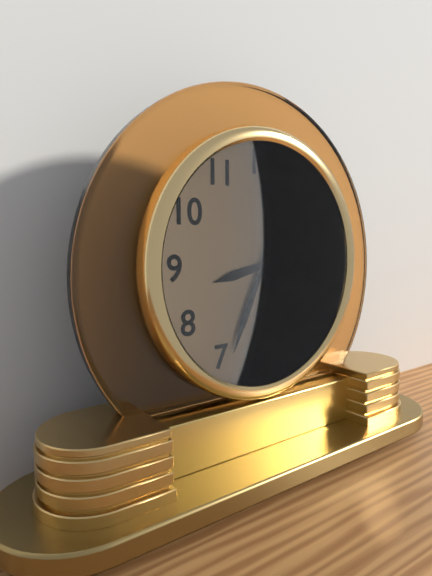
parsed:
8,34
